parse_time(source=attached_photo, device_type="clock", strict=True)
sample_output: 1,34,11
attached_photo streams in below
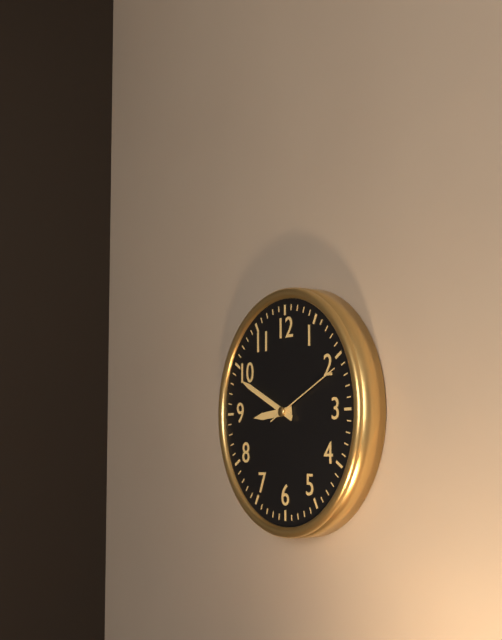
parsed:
8,49,11
